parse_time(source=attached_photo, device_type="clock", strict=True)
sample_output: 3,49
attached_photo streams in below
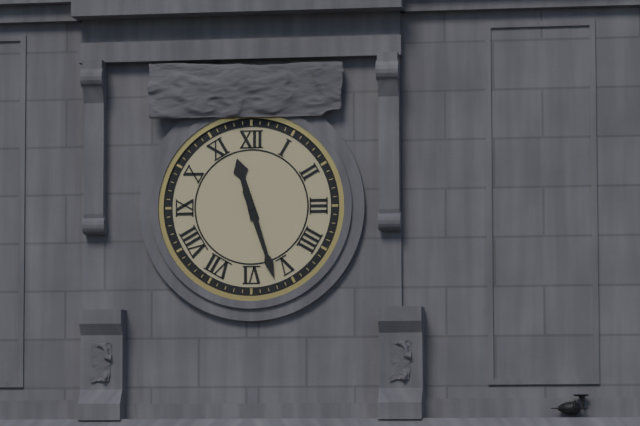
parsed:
11,27
